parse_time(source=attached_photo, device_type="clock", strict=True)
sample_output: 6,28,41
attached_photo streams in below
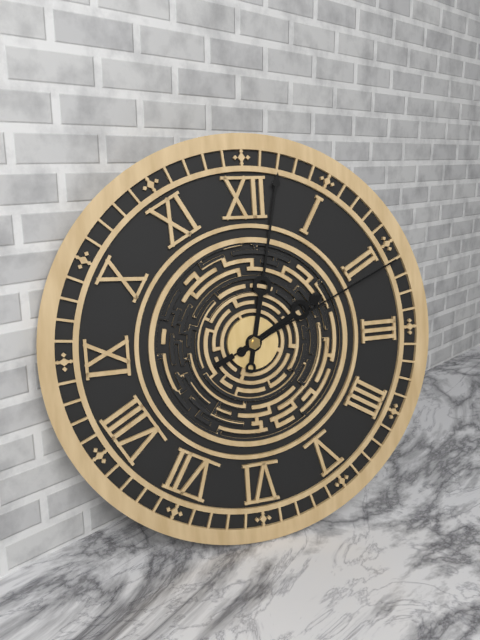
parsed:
2,02,11
